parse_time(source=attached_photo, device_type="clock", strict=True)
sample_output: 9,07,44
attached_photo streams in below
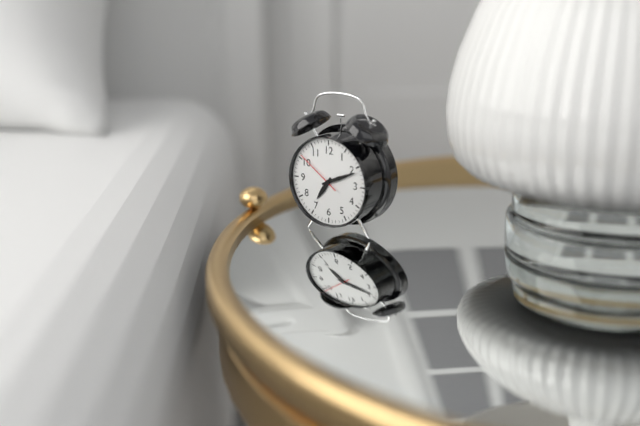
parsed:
7,11,51
